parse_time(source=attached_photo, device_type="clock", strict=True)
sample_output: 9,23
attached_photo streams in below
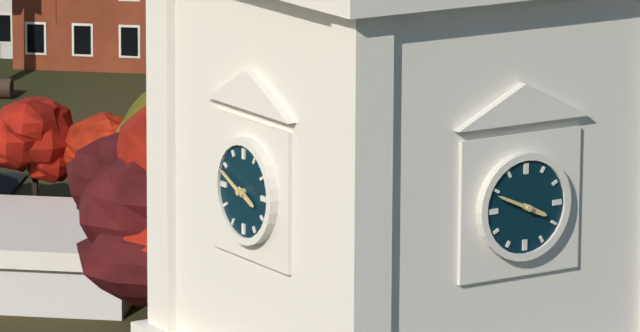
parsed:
3,49
